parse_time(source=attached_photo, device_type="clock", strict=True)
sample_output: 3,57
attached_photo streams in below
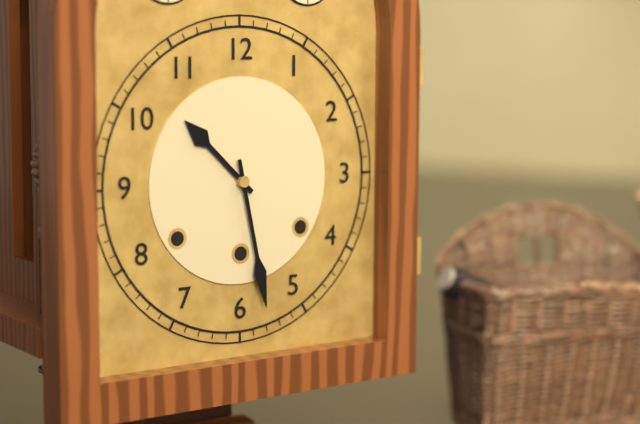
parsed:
10,28
